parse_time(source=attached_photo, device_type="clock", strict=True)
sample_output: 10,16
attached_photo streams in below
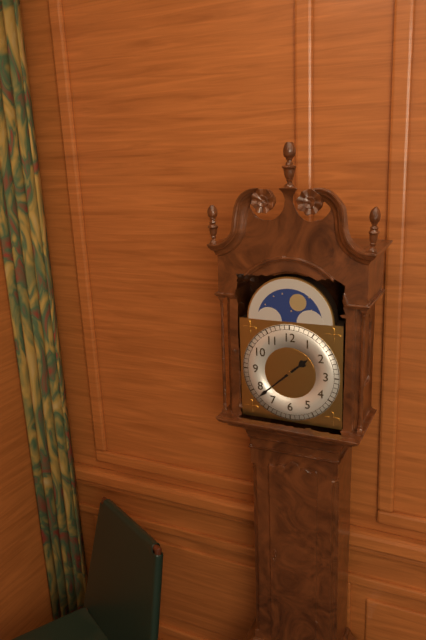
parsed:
1,38
